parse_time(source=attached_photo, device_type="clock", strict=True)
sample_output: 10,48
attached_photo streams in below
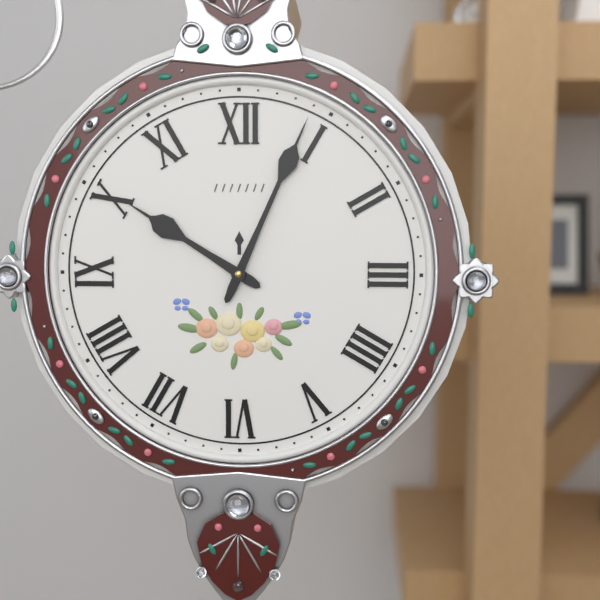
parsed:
10,04
